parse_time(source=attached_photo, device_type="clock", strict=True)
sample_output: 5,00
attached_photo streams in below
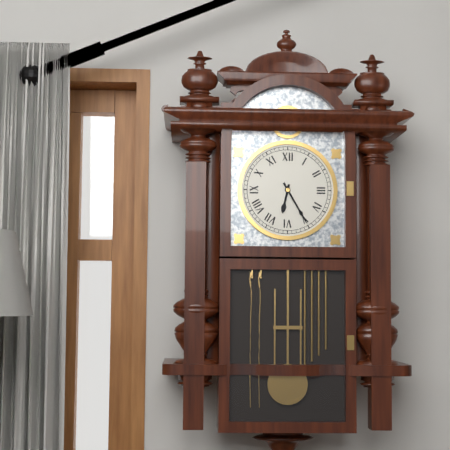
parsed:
6,25
